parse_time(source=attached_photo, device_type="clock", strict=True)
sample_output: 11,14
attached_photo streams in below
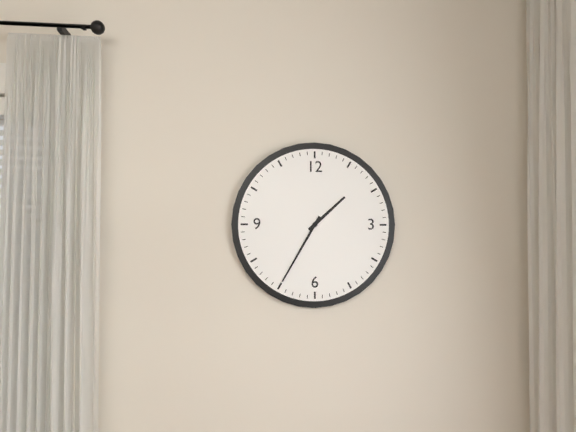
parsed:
1,35
